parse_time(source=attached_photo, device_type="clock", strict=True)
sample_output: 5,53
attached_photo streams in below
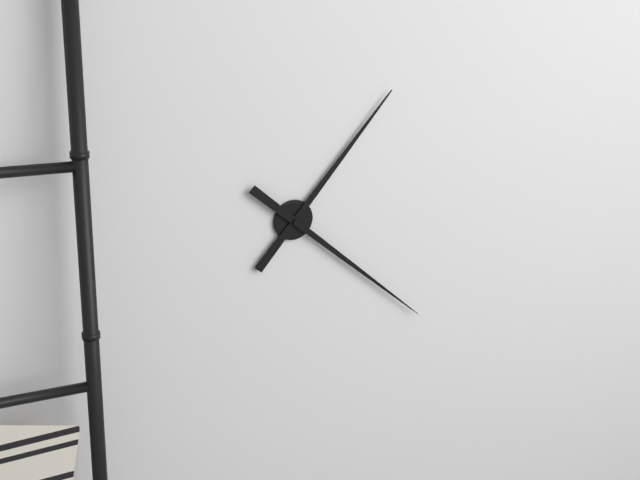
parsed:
1,22
